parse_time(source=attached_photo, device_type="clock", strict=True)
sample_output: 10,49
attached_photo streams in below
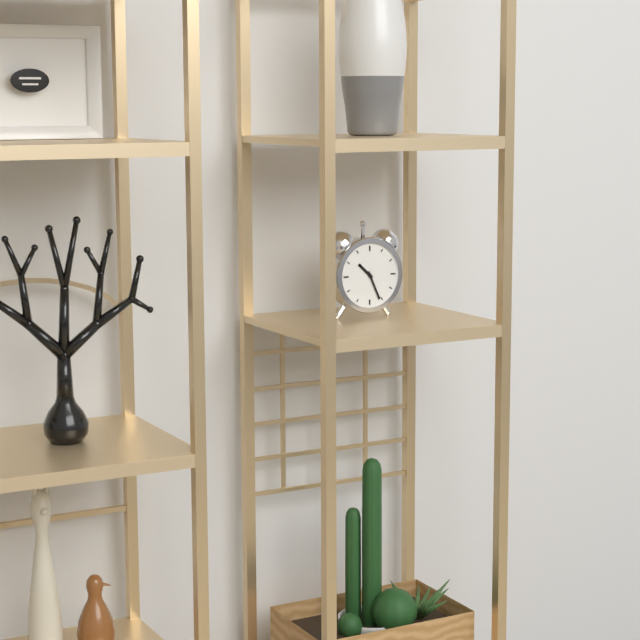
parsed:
10,26
